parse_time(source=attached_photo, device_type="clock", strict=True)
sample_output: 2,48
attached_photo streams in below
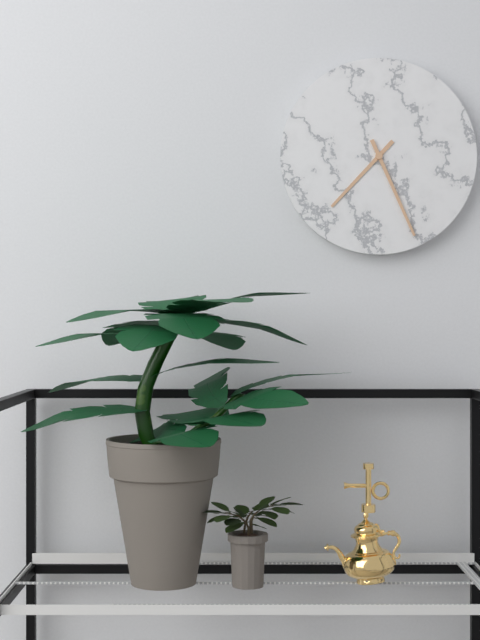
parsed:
7,26
